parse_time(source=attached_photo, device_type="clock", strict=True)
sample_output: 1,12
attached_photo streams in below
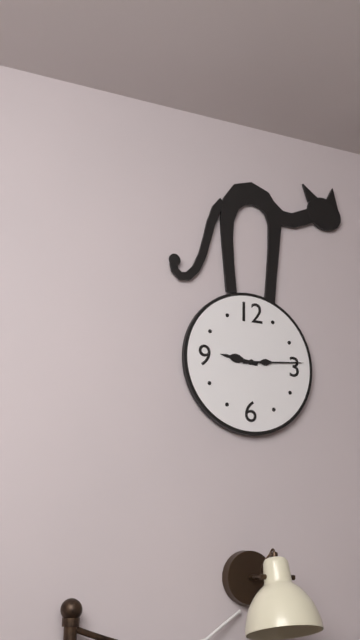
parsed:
9,14
